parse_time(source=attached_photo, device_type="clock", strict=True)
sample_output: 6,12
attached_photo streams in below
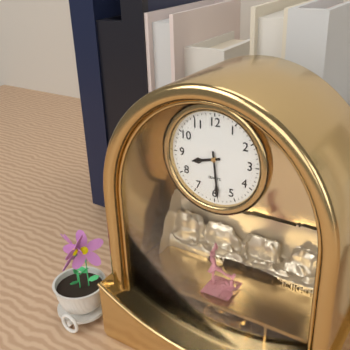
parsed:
8,29
